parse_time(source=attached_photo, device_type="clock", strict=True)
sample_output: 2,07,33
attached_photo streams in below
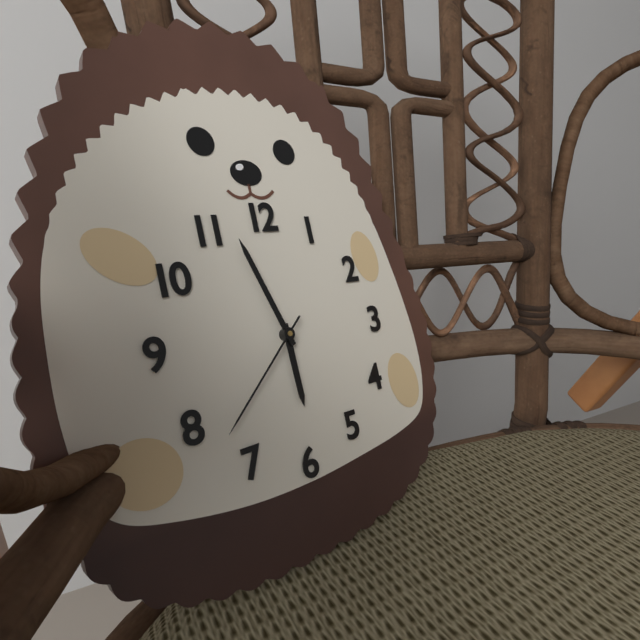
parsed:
5,57,38
